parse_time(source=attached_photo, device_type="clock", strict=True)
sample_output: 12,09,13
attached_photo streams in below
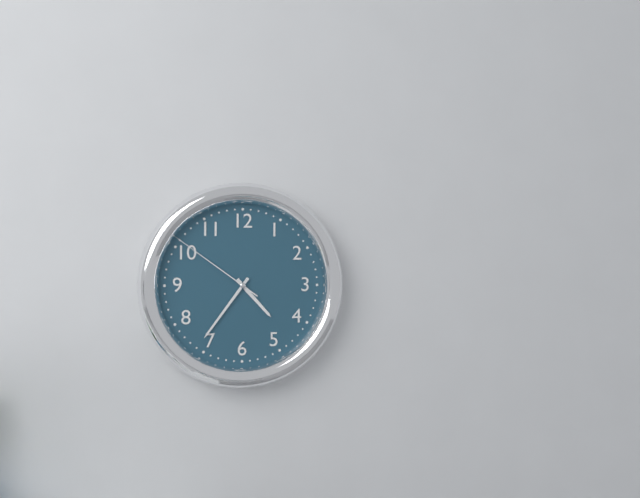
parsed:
4,36,51
